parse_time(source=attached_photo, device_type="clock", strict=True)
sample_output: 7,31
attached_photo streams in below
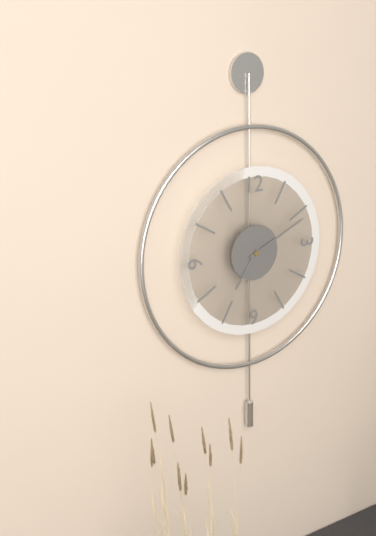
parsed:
7,11
